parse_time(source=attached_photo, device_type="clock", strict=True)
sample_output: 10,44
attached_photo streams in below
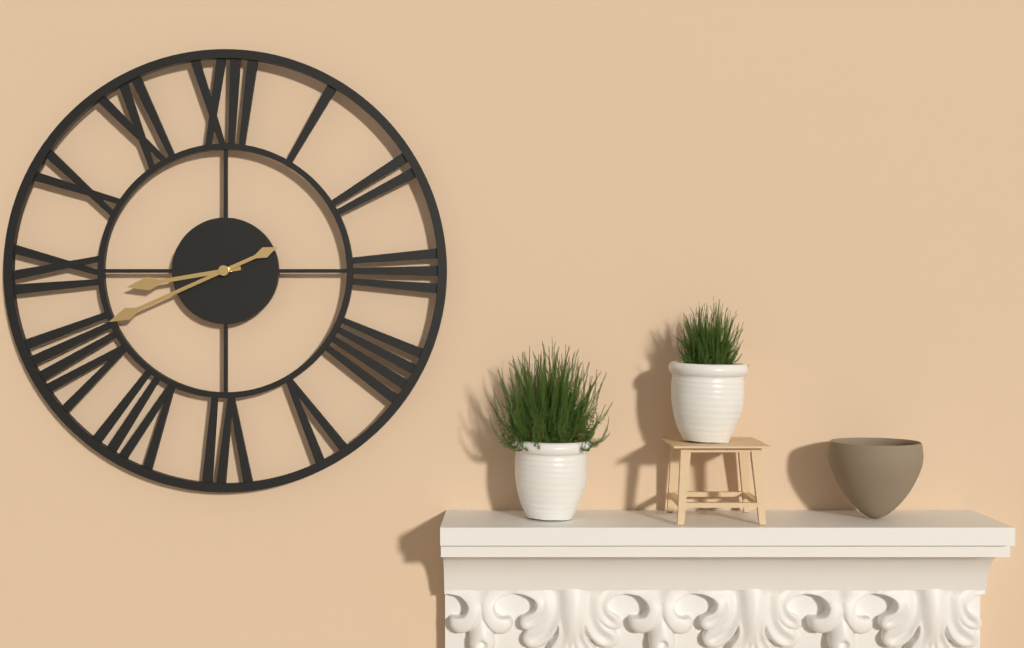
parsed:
8,41
